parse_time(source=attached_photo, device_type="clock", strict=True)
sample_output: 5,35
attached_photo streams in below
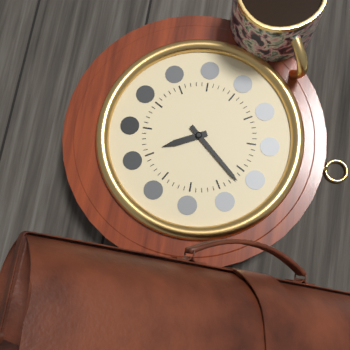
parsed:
5,07
